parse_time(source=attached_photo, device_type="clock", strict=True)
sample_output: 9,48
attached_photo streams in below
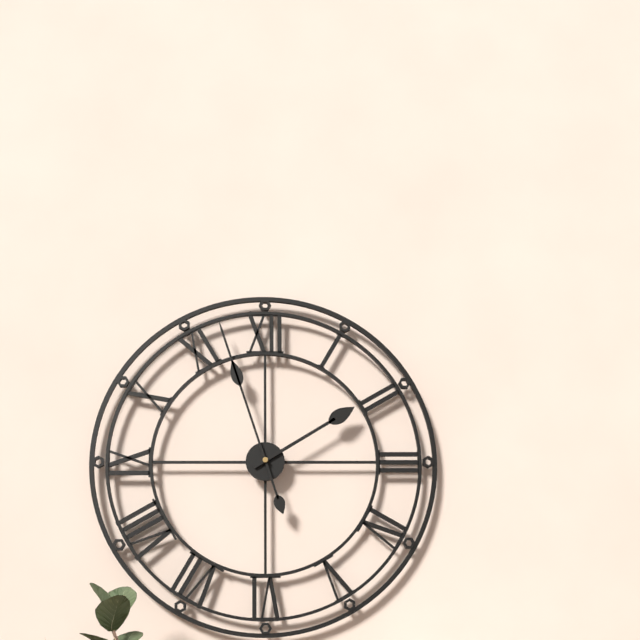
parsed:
1,57
